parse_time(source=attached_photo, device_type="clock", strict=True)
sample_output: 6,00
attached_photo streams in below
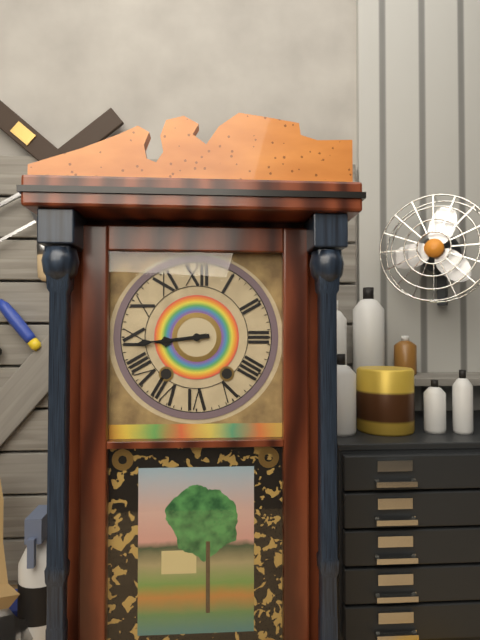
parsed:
8,44
